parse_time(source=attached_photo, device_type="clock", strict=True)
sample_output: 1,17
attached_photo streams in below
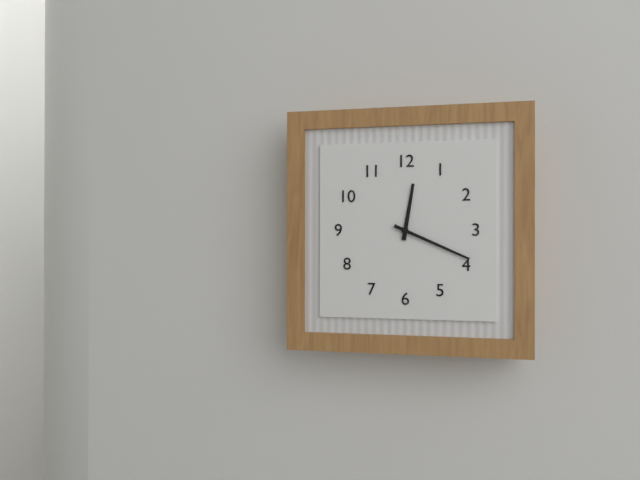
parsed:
12,19
